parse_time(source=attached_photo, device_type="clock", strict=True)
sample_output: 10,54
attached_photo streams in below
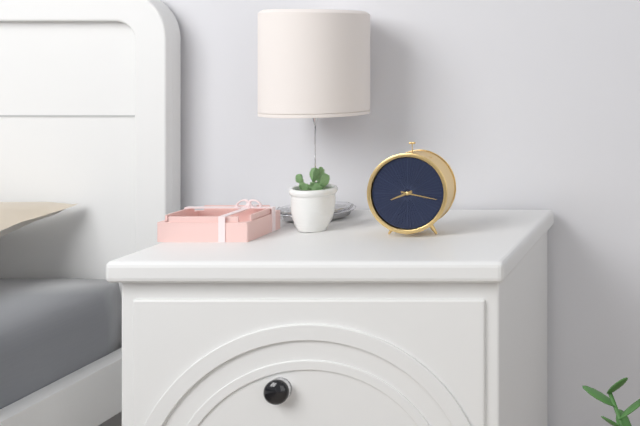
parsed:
8,17
